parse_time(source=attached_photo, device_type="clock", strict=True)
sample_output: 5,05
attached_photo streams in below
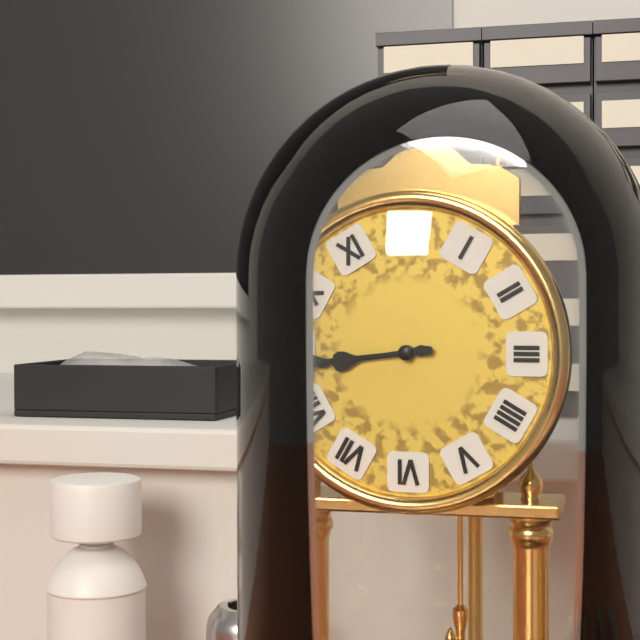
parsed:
8,44
